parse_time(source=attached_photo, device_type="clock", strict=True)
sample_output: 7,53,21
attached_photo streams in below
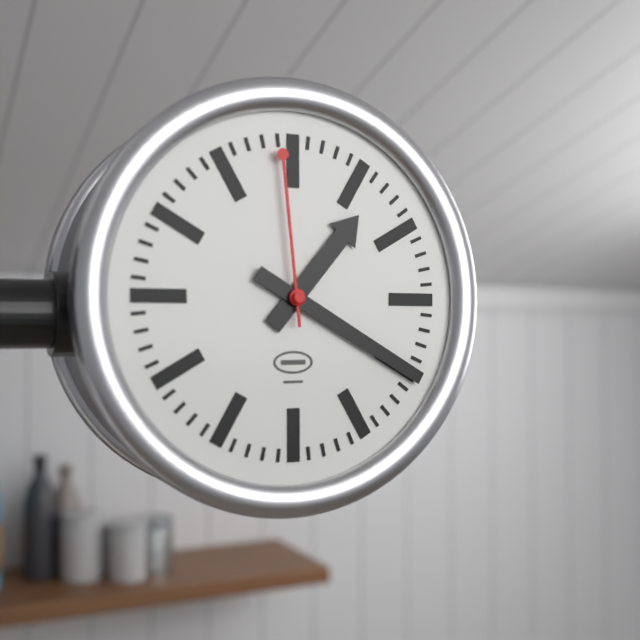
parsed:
1,20,59
